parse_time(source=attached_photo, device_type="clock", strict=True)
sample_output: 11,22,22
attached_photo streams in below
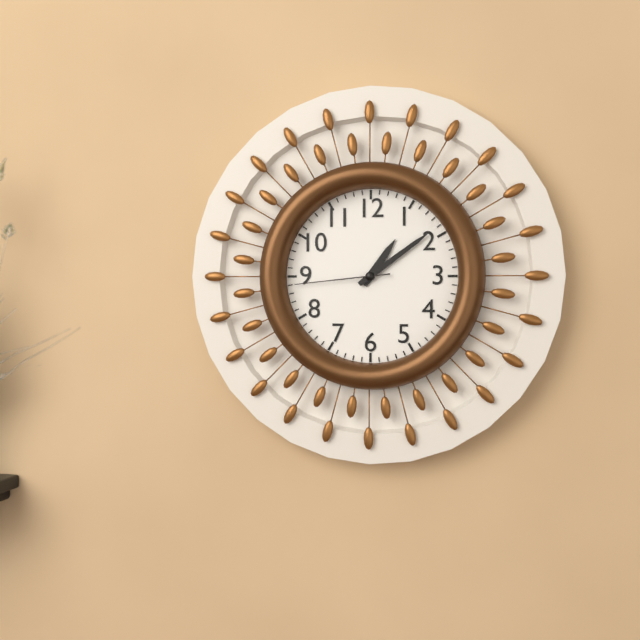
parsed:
1,09,44
